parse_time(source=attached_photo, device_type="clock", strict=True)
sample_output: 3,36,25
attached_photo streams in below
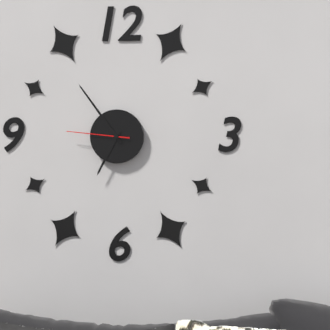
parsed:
6,54,46
